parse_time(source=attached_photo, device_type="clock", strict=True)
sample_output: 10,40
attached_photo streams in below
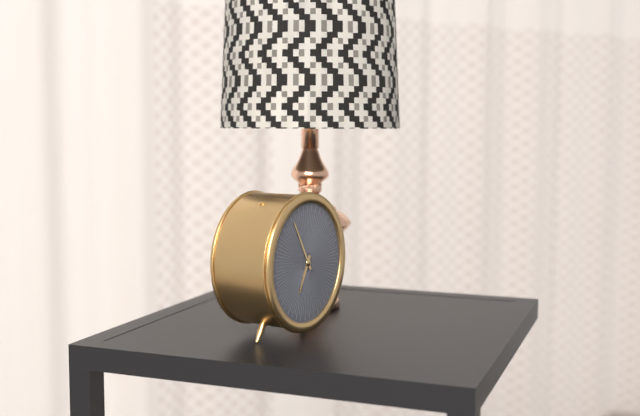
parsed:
6,55
